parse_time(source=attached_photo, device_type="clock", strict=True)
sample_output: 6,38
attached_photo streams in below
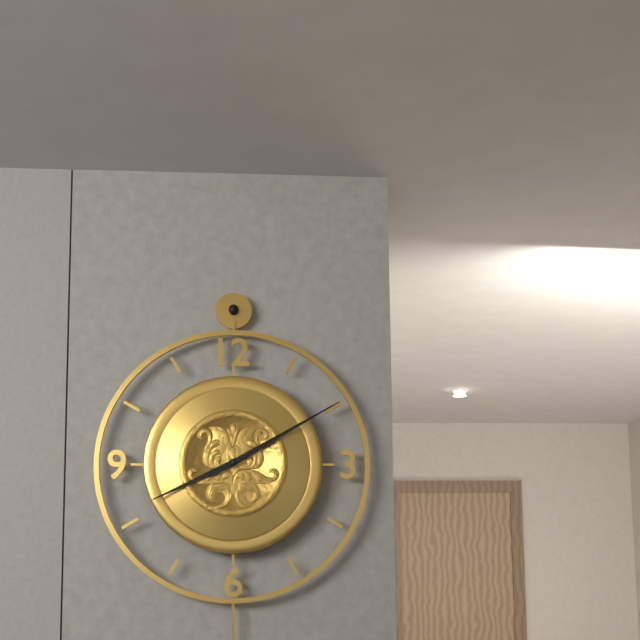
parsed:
8,10
